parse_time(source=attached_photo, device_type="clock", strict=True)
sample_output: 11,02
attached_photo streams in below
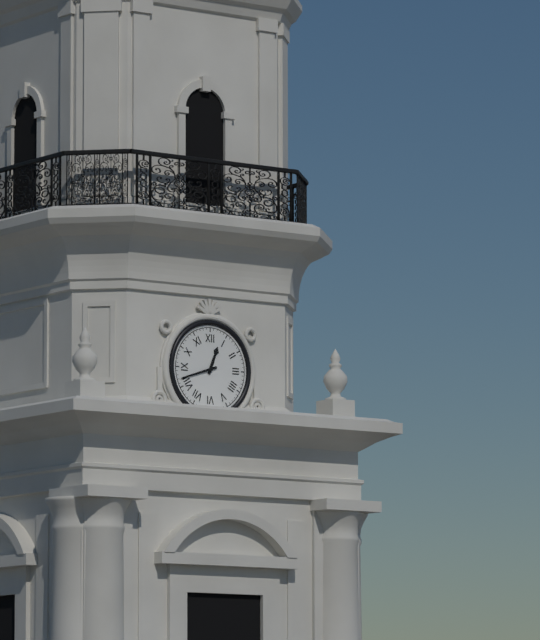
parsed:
12,42
